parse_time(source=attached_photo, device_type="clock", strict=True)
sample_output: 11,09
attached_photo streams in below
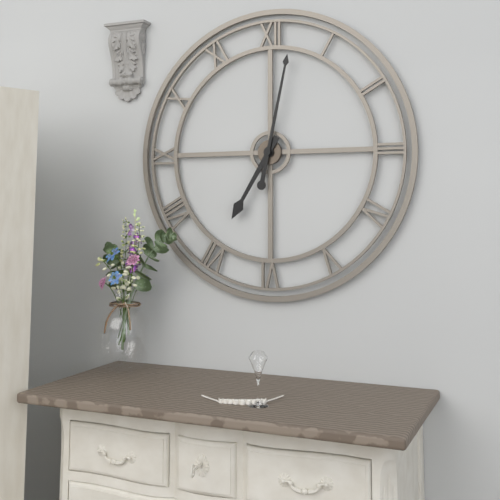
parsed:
7,02
